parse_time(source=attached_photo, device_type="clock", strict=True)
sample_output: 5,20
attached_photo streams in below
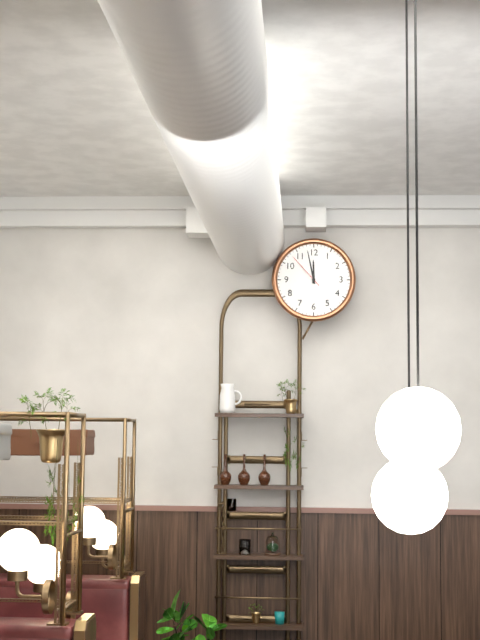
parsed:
11,58
